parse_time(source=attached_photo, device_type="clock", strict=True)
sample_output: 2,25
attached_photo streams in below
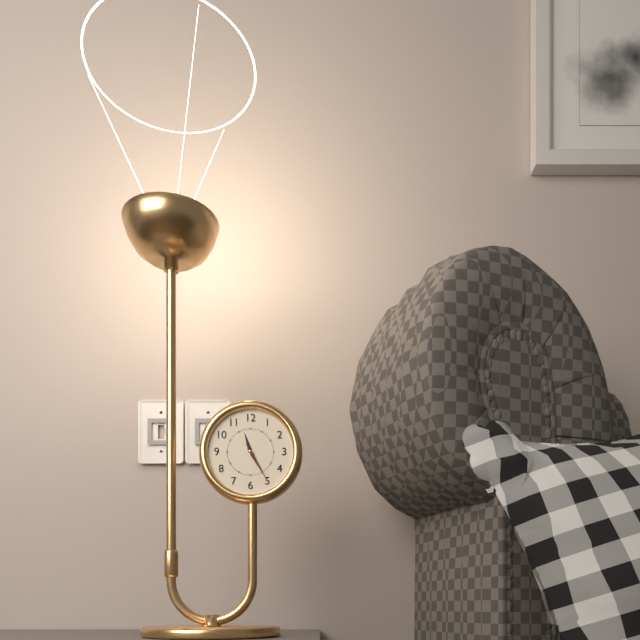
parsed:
11,25
